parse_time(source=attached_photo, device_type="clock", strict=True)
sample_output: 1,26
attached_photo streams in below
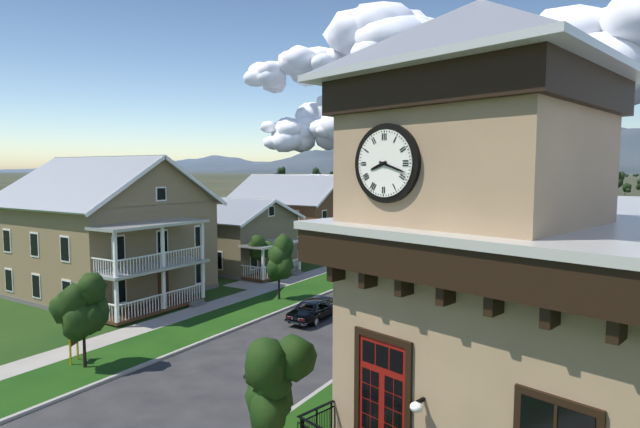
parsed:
8,18
